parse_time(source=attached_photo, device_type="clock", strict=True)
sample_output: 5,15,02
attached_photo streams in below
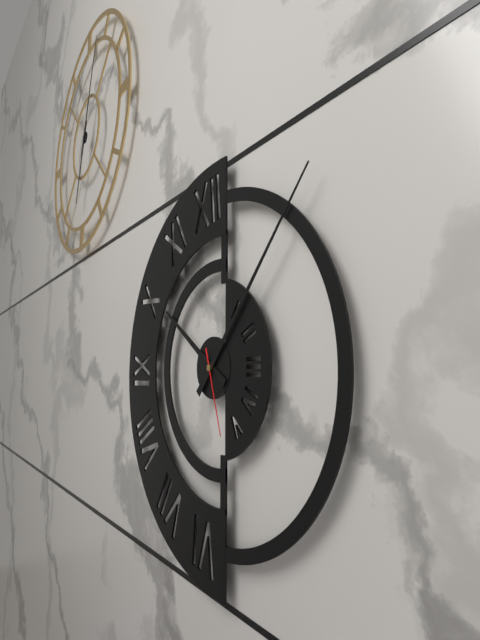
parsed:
10,07,27
